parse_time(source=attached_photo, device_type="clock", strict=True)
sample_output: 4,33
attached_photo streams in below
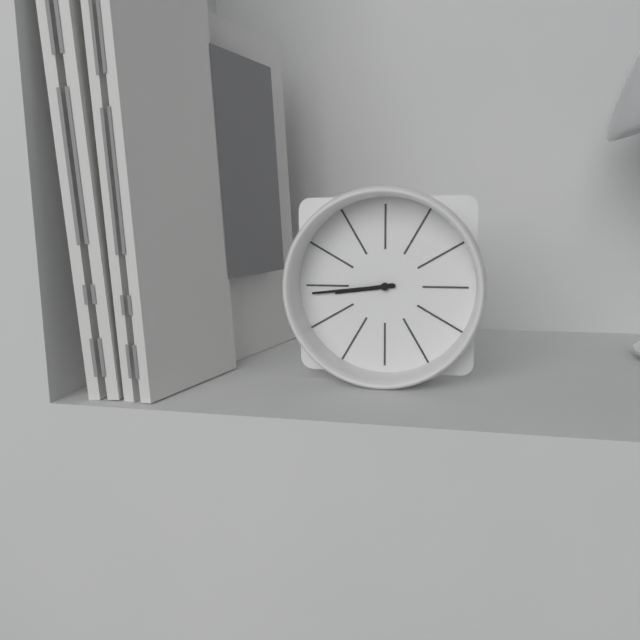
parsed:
8,44
